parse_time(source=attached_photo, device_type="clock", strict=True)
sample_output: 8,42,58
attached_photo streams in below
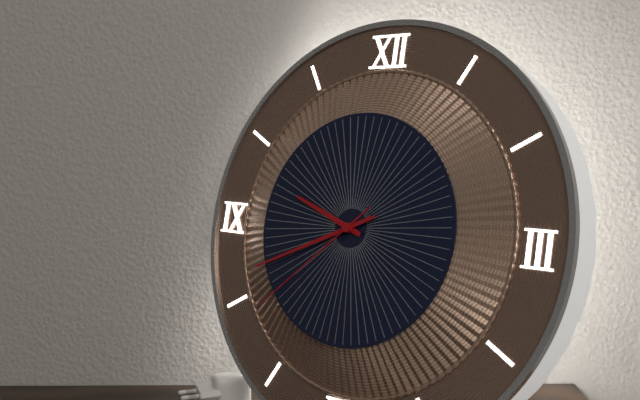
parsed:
9,41,38
